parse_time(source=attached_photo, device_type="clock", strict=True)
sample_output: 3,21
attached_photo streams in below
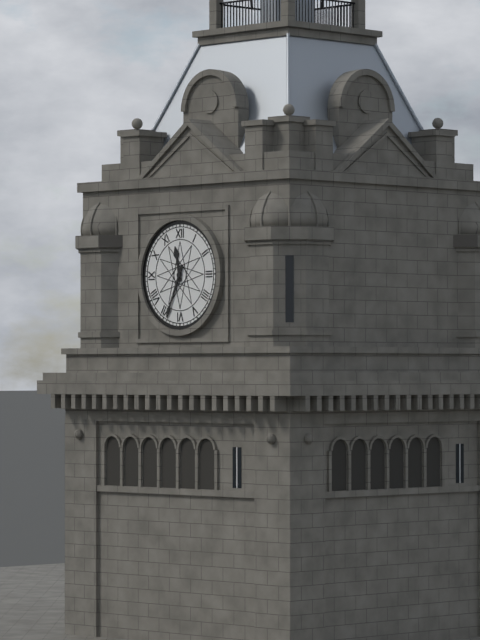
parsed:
11,34
